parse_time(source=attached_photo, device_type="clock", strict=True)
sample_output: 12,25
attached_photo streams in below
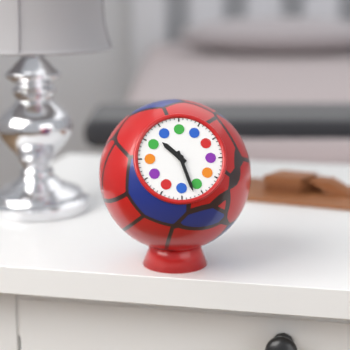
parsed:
10,27
